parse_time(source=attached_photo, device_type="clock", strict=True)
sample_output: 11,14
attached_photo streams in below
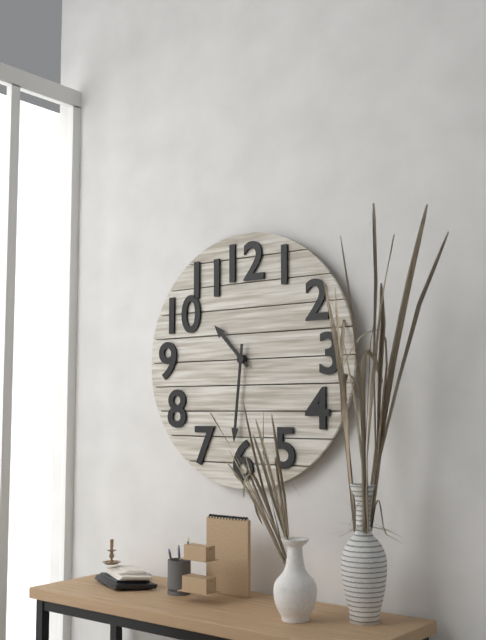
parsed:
10,31
